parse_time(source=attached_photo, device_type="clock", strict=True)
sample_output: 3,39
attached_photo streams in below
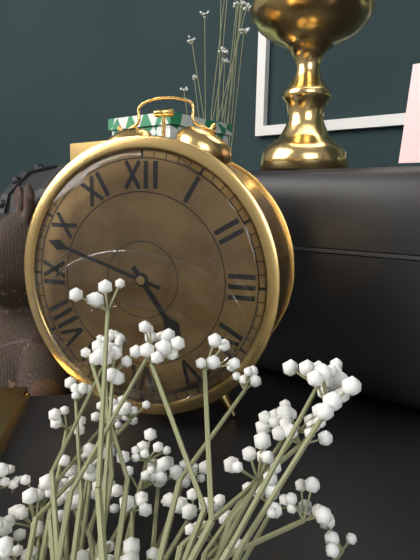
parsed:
4,48
